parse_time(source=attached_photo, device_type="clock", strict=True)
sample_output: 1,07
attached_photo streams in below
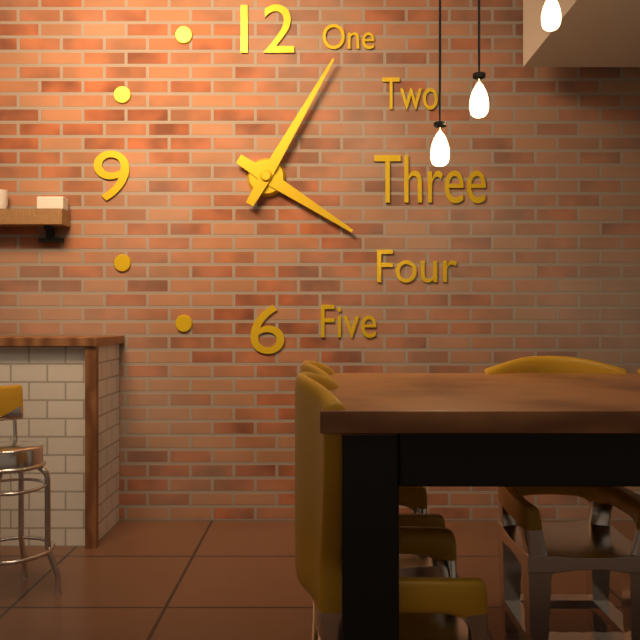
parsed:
4,05
